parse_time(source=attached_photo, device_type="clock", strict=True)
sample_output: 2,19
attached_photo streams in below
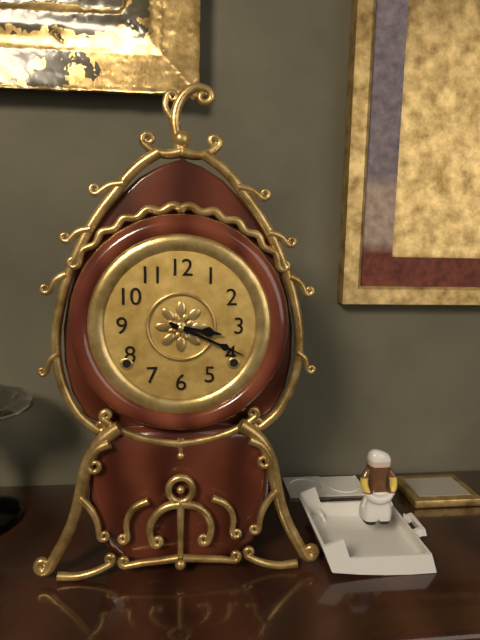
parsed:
3,19
